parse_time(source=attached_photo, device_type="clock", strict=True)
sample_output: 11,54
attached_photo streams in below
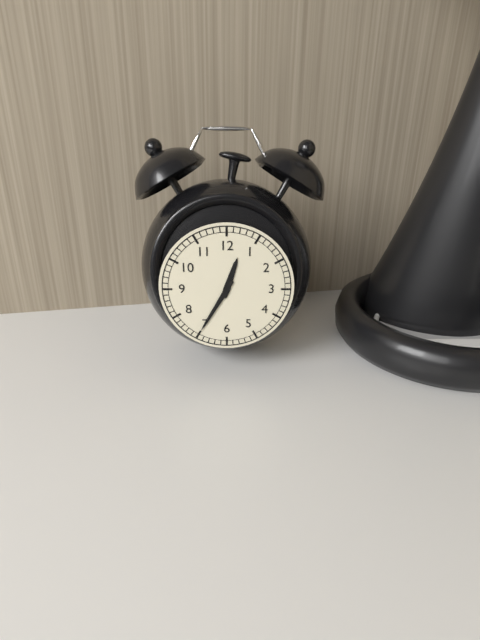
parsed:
12,35
